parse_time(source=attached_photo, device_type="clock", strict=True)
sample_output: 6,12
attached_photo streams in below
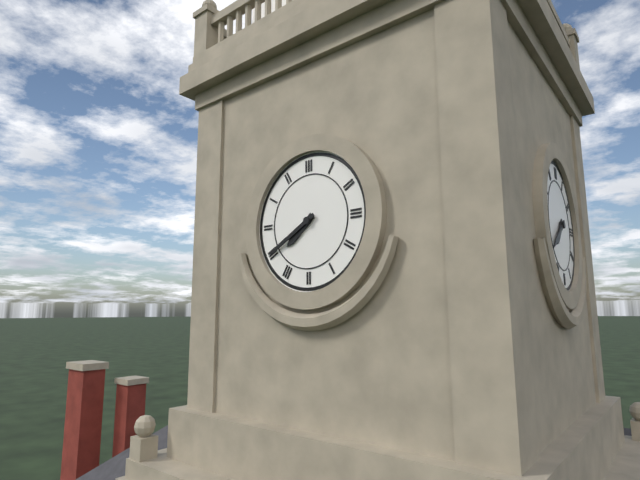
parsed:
7,40
